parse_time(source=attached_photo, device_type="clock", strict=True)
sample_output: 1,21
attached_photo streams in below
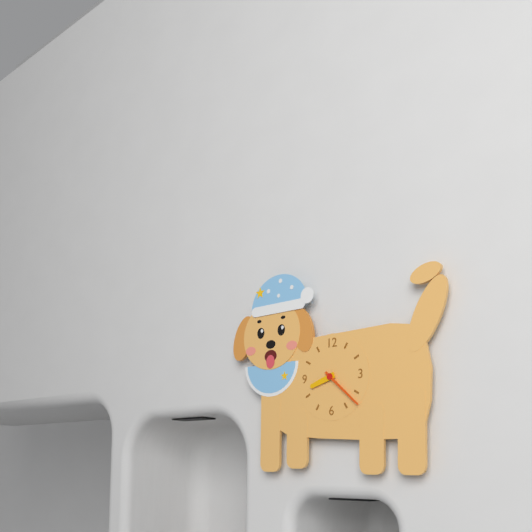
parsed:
8,22
